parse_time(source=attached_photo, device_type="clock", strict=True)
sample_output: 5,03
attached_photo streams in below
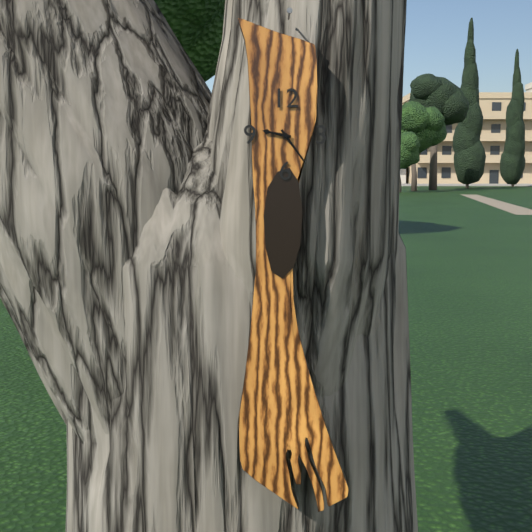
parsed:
9,24
